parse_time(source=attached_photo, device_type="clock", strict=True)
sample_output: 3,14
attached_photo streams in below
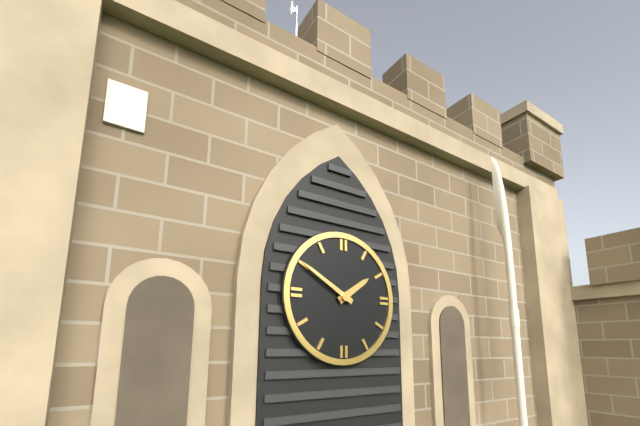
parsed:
1,50
